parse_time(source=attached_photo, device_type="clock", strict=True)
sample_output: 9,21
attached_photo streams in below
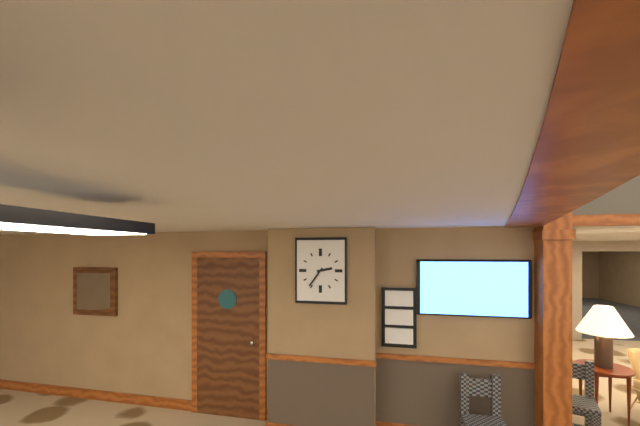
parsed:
2,36
